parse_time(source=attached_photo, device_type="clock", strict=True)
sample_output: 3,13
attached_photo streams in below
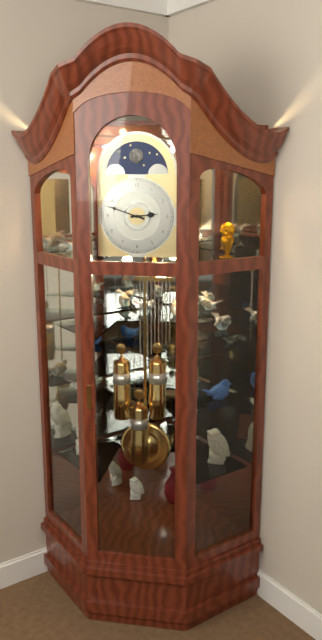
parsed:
2,48
